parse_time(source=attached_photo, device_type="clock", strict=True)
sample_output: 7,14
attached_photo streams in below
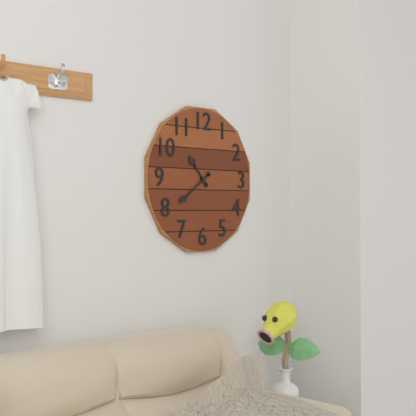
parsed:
10,39
